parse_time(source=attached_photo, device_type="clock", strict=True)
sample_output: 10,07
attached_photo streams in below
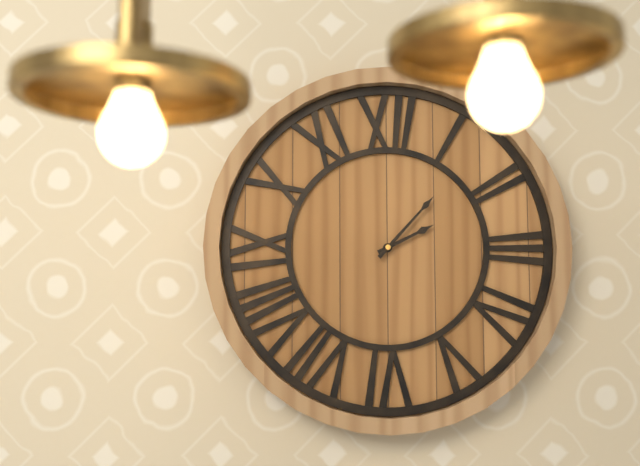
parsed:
2,07
